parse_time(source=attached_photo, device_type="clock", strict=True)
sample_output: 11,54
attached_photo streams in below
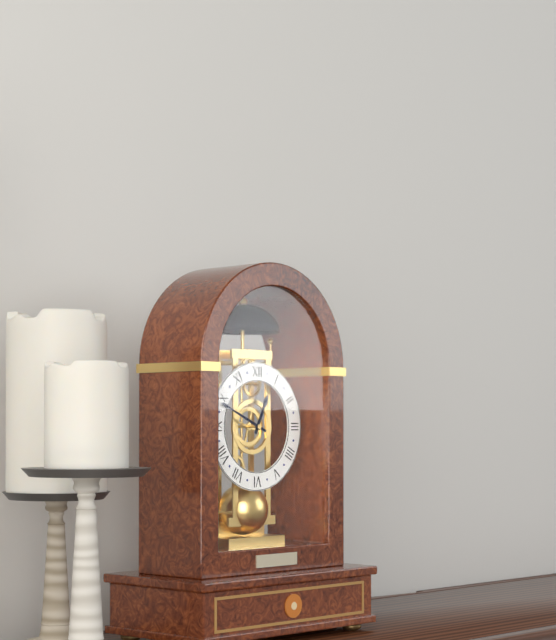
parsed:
12,49
